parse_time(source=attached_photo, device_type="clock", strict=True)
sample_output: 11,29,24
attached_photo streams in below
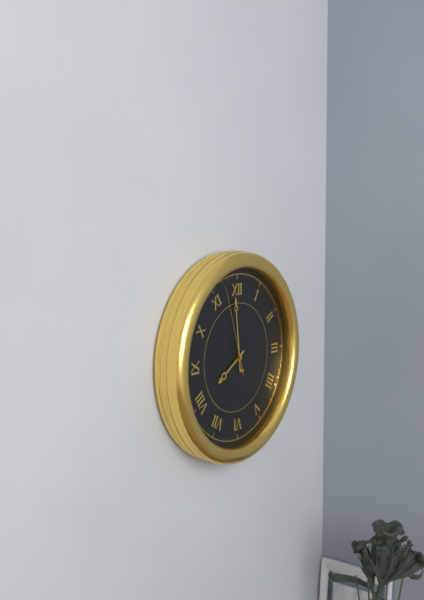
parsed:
7,59,57
